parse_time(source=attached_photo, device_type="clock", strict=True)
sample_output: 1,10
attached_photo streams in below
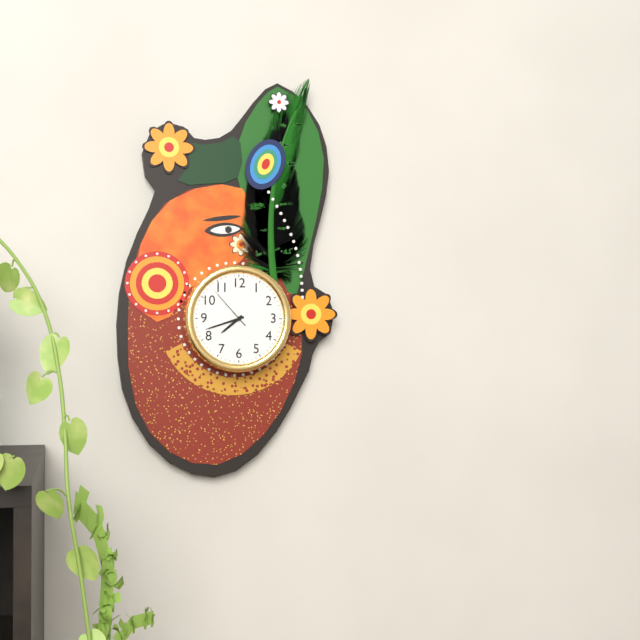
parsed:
7,42
